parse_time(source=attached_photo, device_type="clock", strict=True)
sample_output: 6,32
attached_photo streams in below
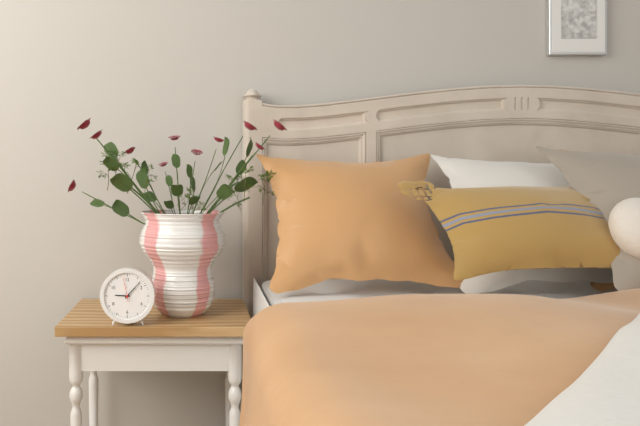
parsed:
9,07
